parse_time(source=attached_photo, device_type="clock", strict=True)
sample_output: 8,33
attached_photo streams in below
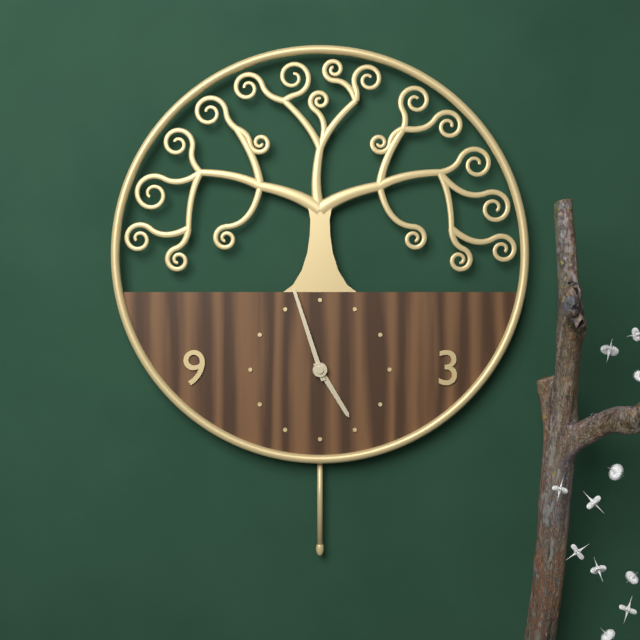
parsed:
4,57
